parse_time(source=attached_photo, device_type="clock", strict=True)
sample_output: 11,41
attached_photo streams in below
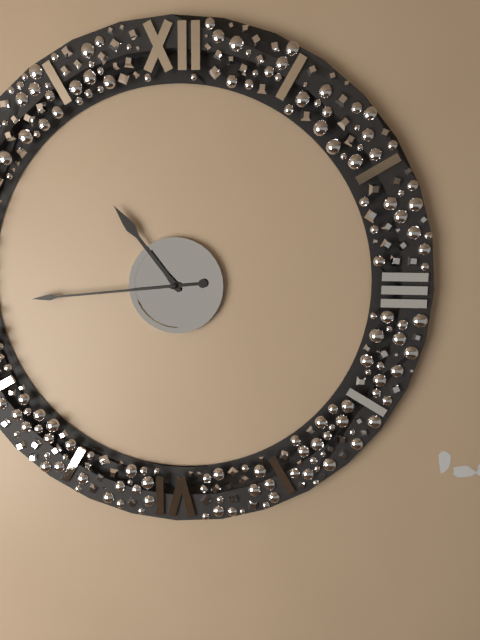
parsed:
10,44
